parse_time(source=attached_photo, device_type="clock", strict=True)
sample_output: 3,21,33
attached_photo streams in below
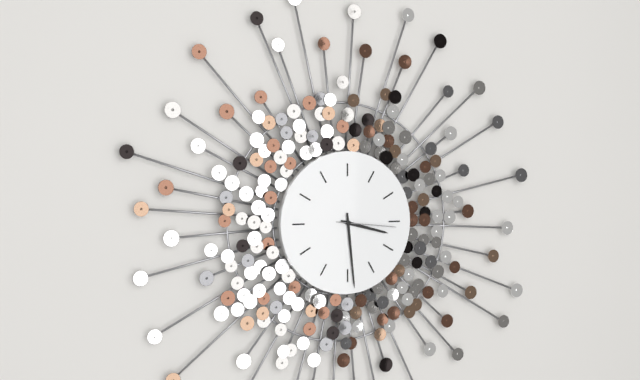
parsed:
3,29,16
